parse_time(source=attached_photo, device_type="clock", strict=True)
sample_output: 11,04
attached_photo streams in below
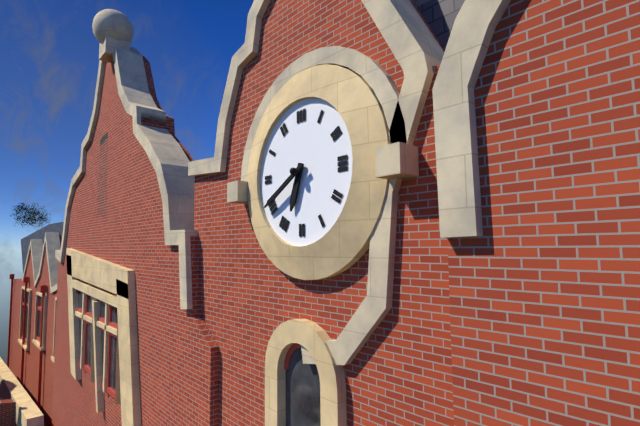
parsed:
6,40
